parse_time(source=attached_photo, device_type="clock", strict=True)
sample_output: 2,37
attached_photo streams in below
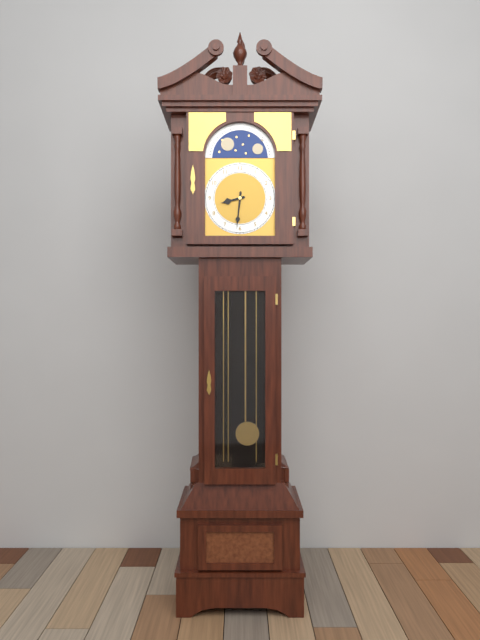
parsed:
8,31
